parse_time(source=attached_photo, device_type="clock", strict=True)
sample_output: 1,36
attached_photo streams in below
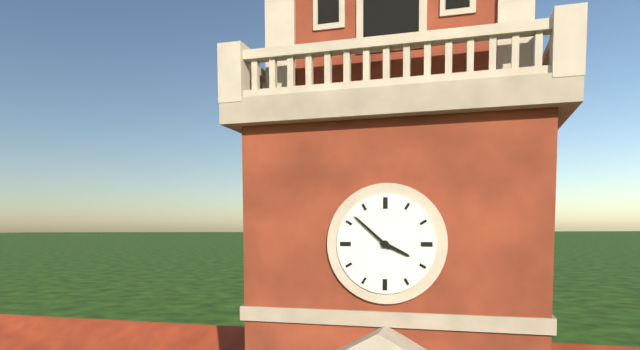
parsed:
3,52
